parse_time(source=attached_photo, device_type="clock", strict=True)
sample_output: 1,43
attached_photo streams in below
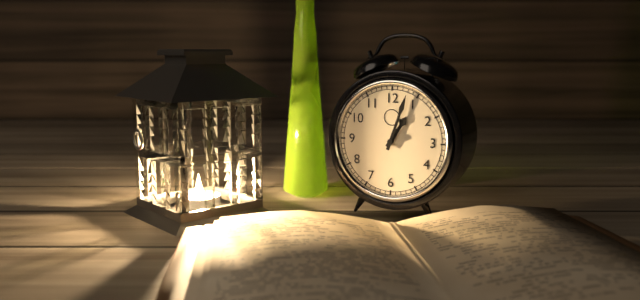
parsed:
1,03
